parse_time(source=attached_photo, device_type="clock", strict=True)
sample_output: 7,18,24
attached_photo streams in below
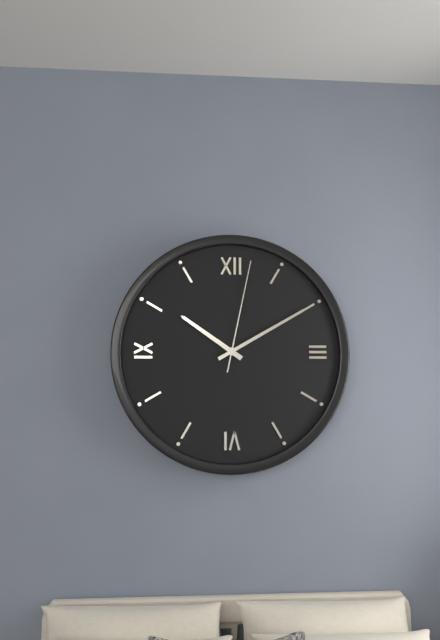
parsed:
10,10,02
